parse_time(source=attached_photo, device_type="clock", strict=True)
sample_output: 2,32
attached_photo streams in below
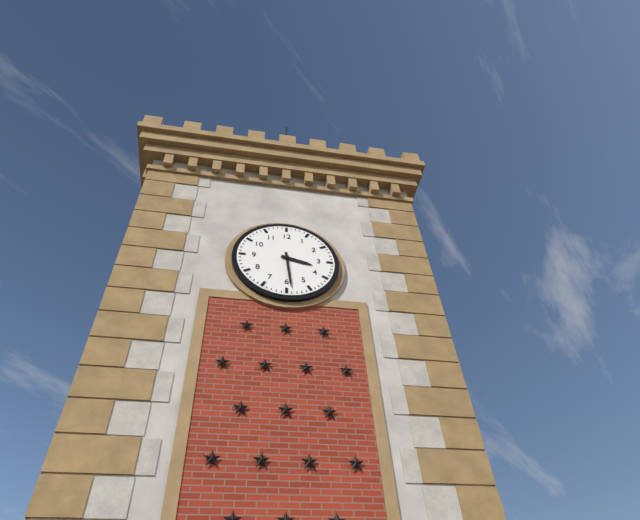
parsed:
3,29
